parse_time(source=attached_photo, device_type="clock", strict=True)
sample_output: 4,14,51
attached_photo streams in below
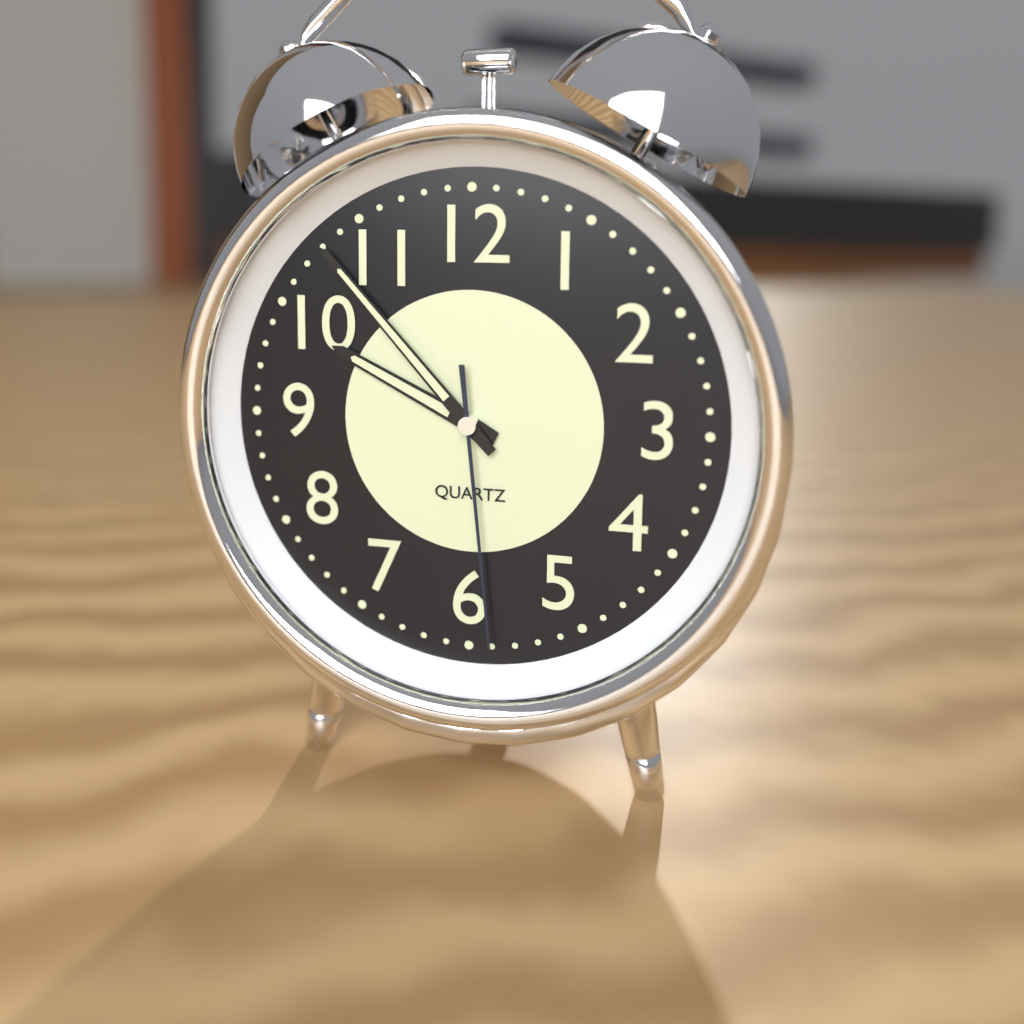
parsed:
9,53,29
